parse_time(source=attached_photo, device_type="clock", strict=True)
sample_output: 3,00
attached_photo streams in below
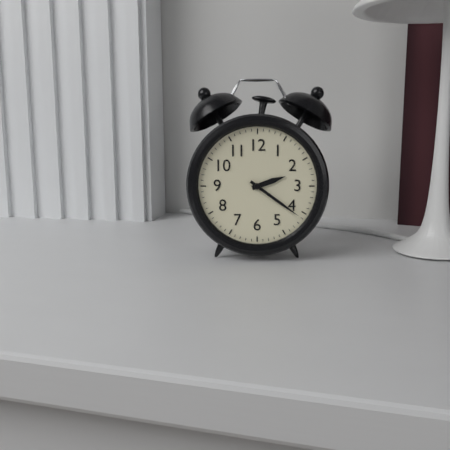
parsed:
2,21
